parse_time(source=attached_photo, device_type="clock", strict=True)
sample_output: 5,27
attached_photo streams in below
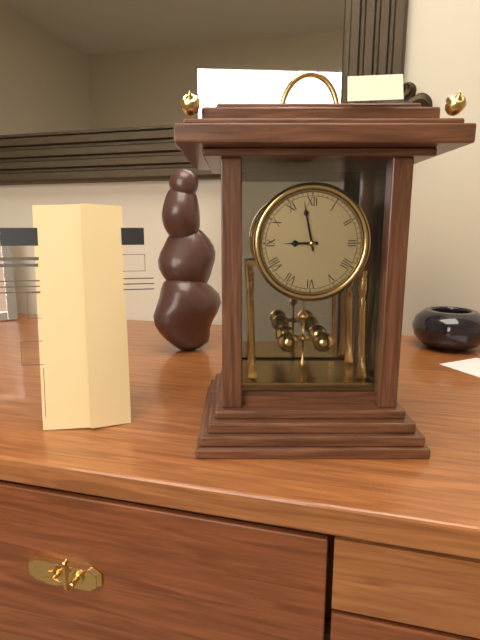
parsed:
8,58
